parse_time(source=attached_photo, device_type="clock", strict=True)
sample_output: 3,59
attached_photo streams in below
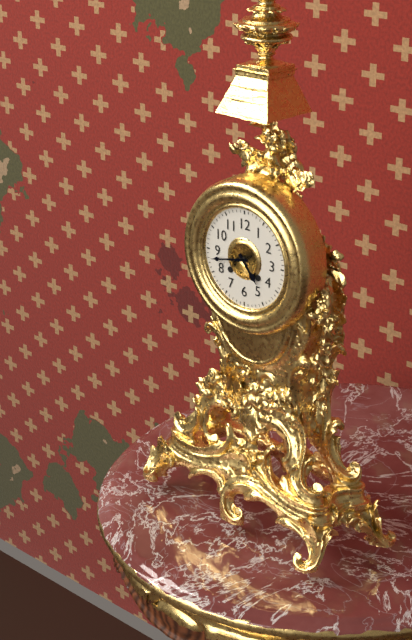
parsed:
4,43
